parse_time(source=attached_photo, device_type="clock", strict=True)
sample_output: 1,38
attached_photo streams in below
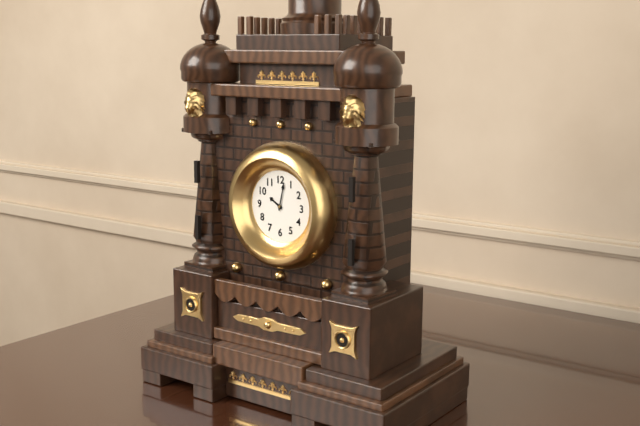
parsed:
10,02
